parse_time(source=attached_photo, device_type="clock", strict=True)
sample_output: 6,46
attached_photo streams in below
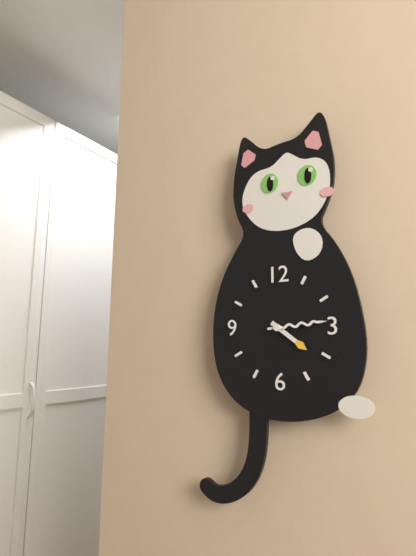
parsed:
4,14
